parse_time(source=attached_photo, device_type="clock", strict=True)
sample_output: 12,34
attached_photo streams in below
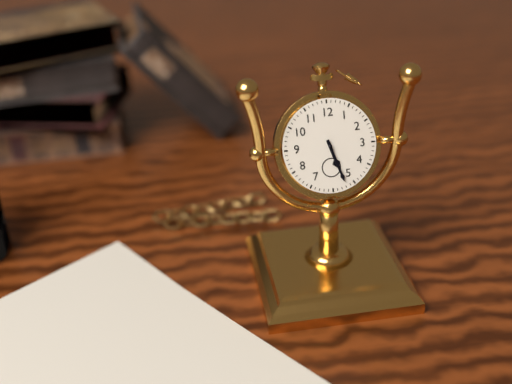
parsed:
5,27
